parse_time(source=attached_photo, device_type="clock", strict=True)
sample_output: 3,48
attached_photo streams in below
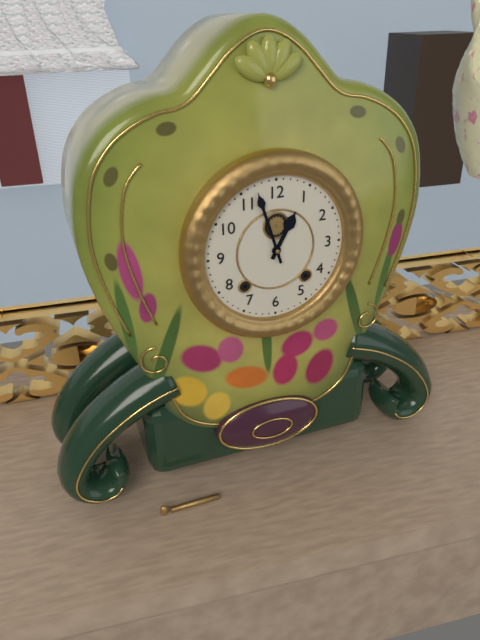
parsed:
12,57
